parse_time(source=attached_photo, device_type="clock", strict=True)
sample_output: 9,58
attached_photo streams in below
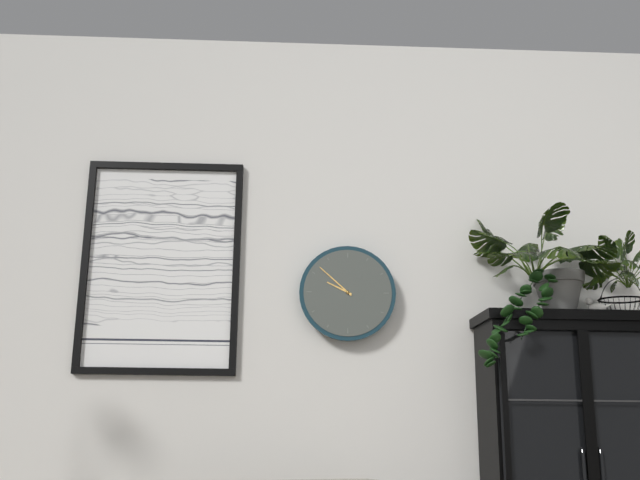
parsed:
9,52
